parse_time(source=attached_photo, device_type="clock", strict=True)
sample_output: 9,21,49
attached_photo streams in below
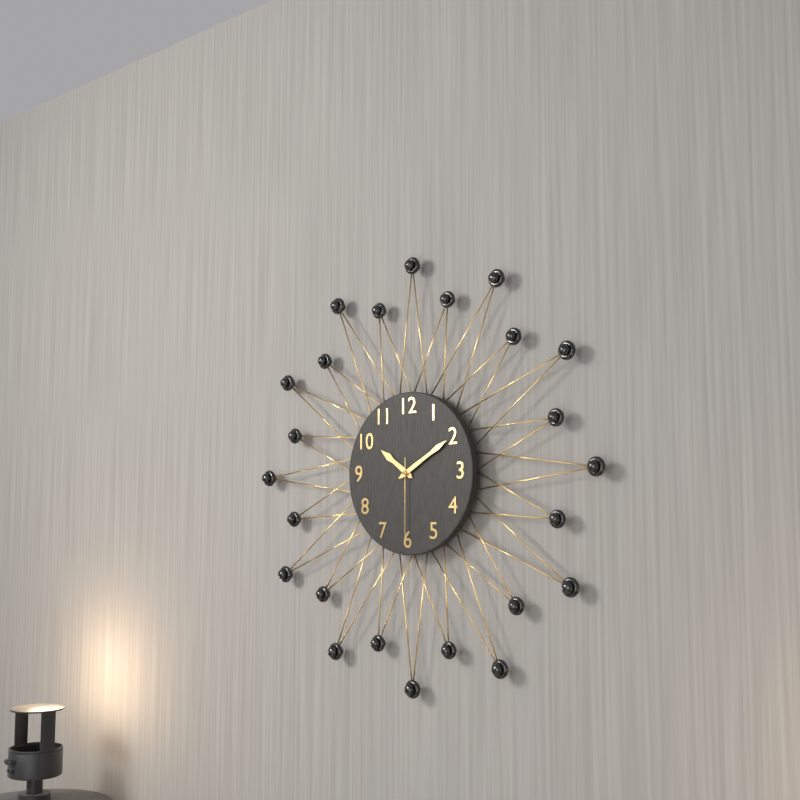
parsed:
10,10,30
